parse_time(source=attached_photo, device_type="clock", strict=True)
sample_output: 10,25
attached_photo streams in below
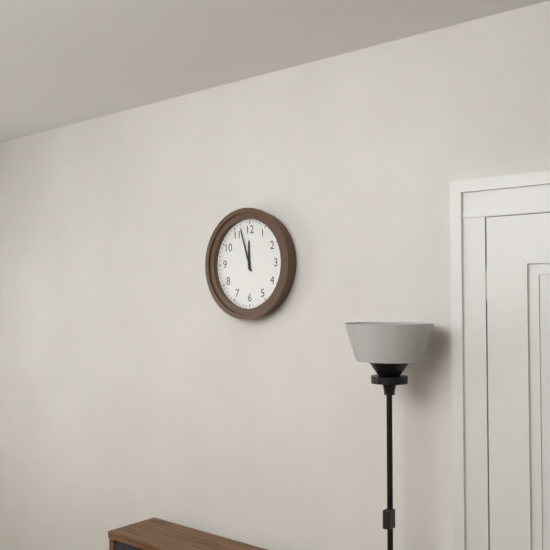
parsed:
11,57
